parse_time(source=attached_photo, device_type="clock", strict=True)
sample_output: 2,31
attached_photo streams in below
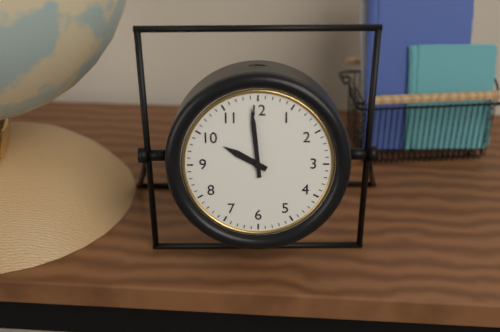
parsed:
9,59
